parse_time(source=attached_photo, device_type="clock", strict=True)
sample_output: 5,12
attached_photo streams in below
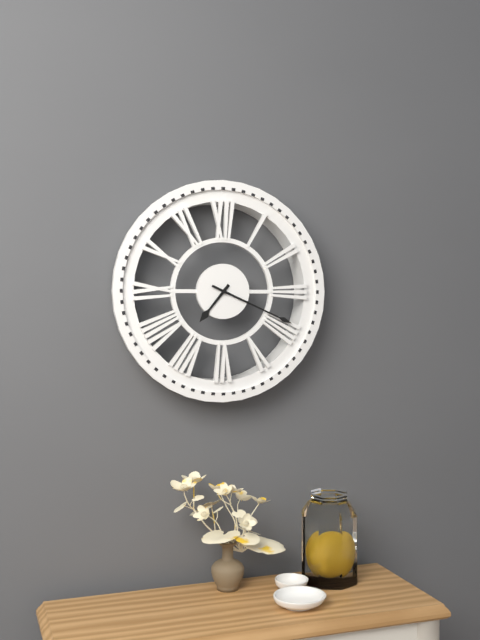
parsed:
7,19
